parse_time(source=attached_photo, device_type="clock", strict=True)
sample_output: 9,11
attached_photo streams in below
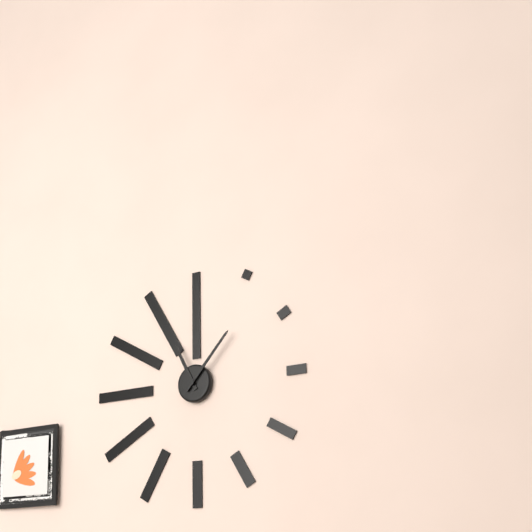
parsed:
11,07
